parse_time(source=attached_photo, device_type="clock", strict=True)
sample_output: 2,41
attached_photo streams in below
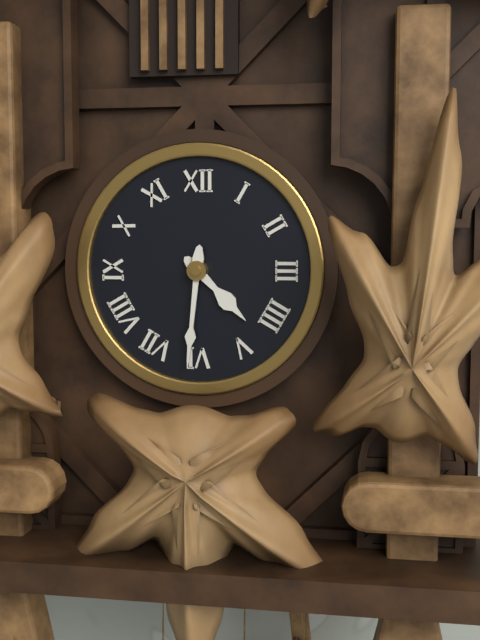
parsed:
4,31
